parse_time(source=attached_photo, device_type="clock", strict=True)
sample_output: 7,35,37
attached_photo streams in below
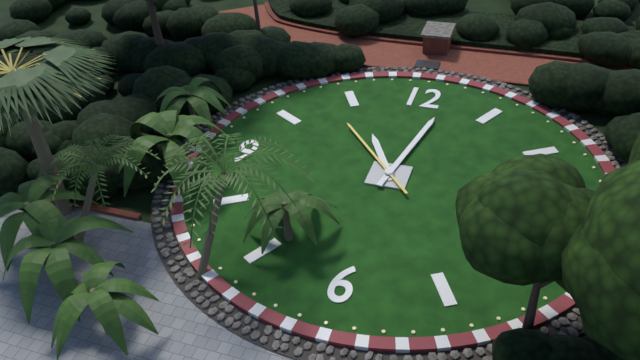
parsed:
11,02,53
